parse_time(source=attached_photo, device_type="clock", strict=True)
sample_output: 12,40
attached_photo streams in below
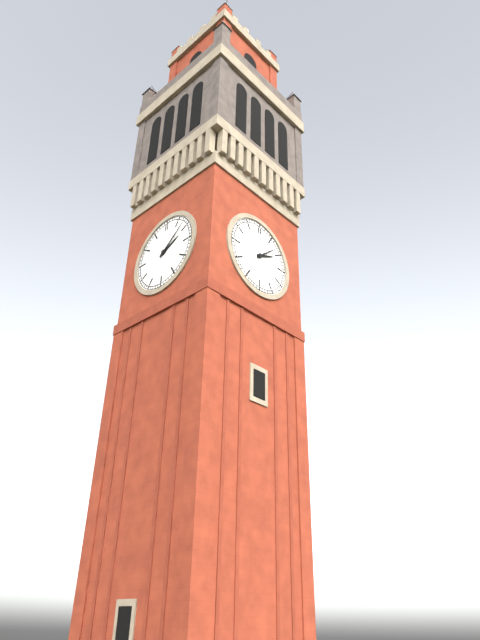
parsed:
2,08
